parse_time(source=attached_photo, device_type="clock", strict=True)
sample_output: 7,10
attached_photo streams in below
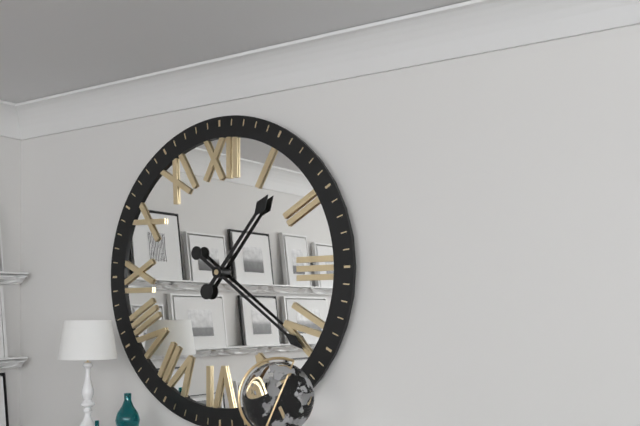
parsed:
1,21
